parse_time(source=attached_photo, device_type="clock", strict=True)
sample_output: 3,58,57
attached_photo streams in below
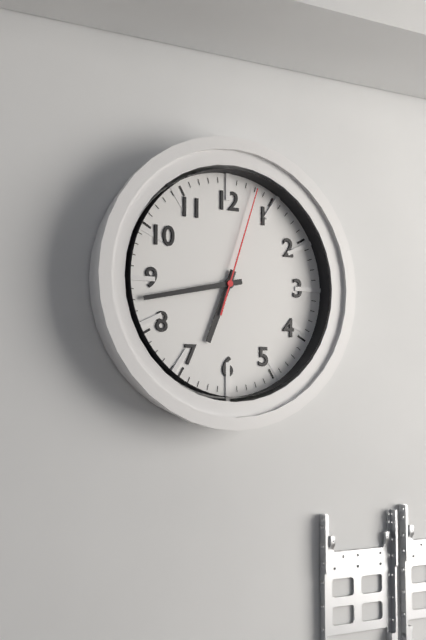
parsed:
6,43,03
